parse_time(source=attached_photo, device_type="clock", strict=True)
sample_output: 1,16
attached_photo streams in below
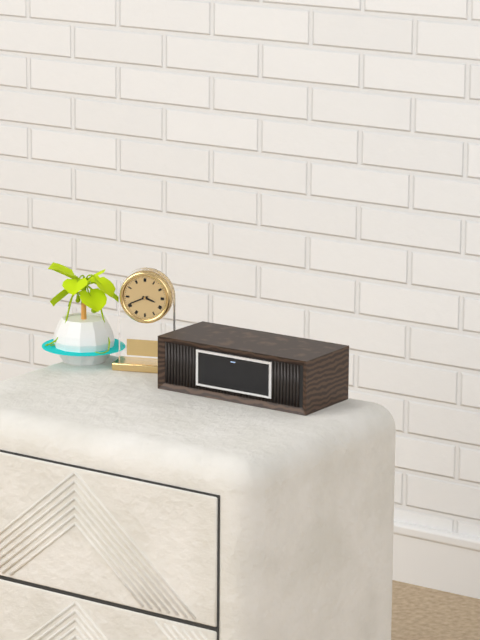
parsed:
3,41
